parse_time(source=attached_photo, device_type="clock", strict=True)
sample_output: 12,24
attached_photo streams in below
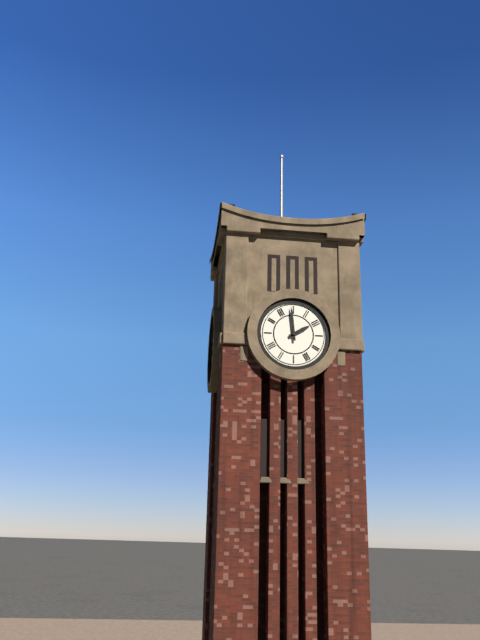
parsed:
1,59
